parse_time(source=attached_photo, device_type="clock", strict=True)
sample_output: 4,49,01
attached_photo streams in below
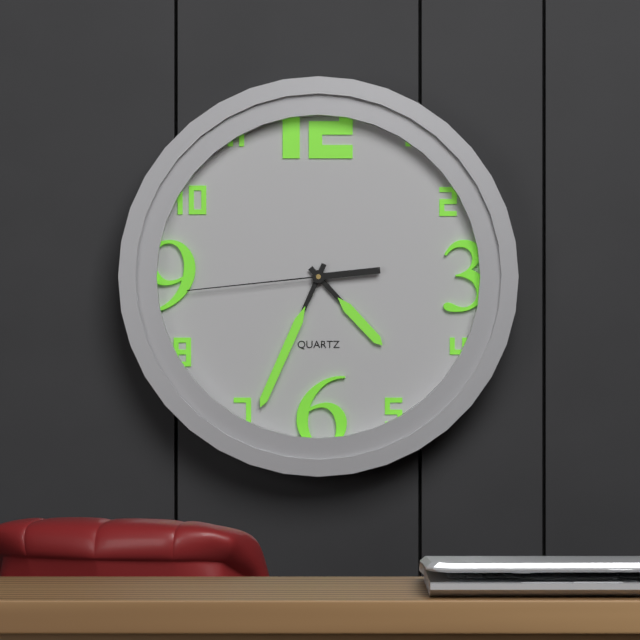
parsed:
4,34,44
